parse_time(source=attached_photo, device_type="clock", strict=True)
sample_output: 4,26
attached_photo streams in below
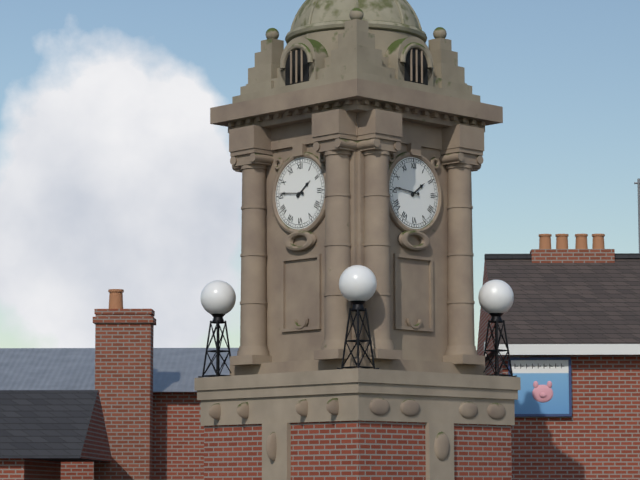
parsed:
1,46
